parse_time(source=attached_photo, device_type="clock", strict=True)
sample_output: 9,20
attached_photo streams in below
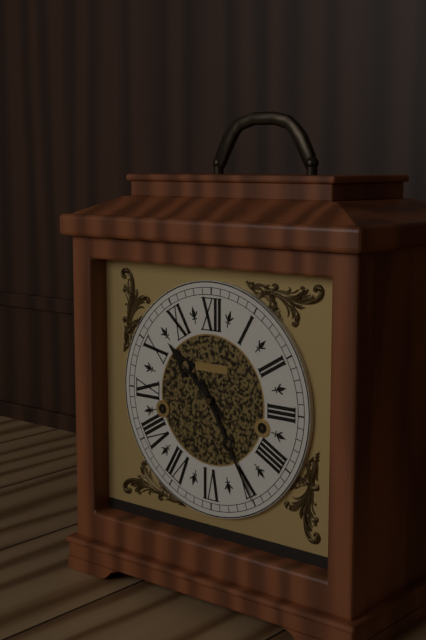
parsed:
10,25
